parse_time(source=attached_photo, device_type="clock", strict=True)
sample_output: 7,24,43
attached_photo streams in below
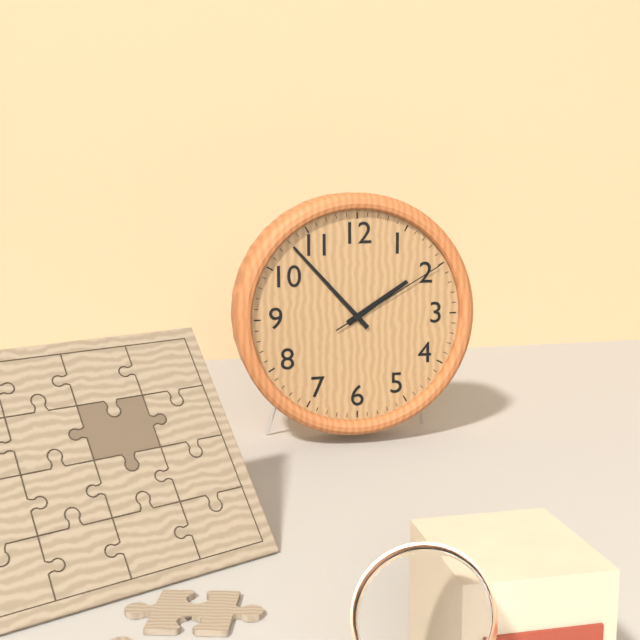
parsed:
1,53,10
